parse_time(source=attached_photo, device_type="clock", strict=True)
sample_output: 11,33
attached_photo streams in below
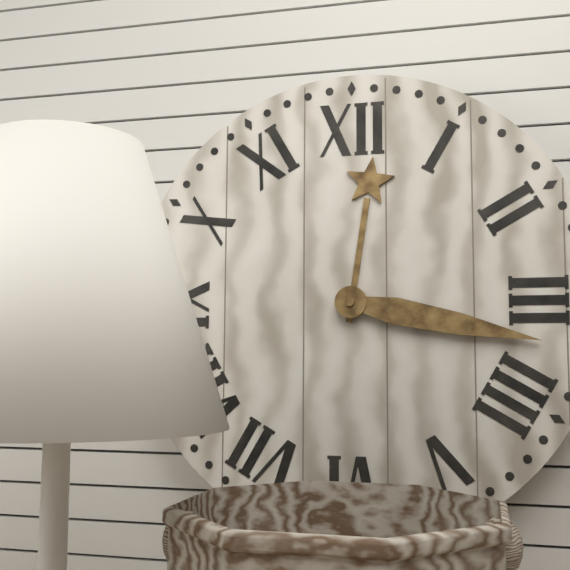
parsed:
12,17
